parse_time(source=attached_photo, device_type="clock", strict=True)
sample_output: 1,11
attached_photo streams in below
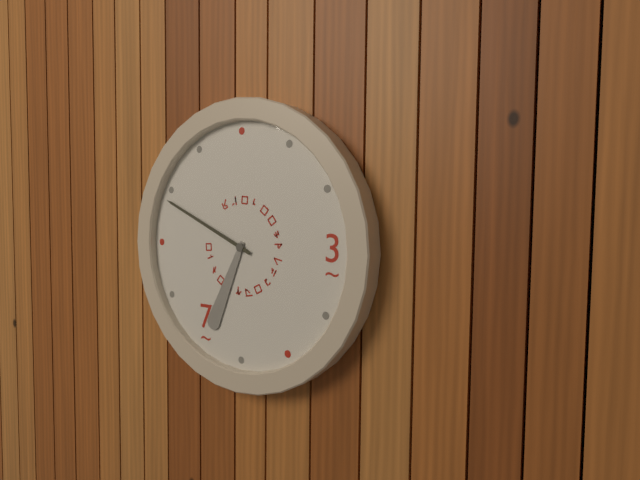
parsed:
6,49
